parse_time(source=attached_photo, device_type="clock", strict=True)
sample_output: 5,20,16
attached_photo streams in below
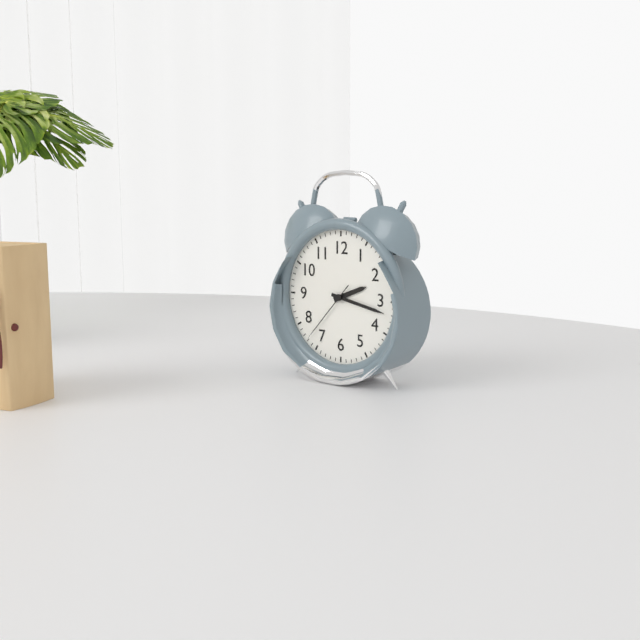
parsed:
2,17,37
